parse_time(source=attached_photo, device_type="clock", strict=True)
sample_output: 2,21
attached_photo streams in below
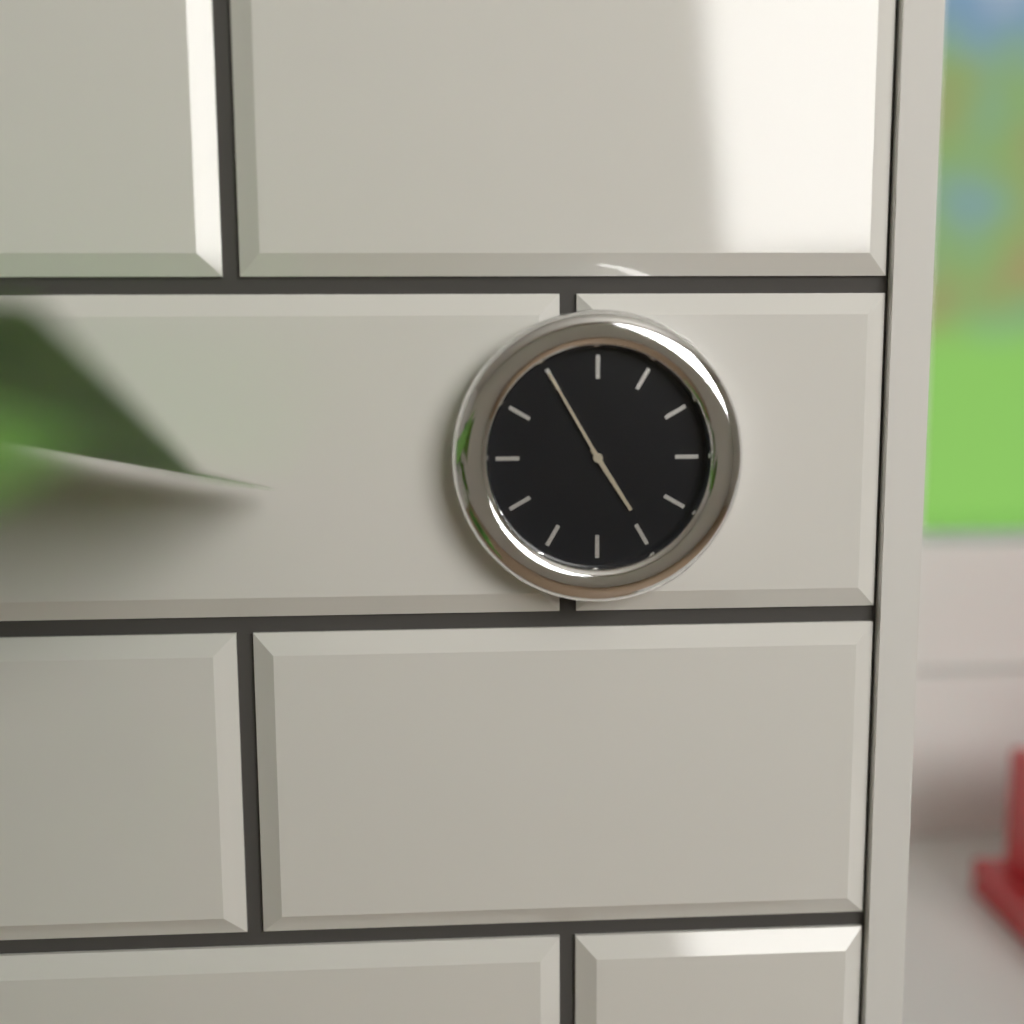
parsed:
4,55
